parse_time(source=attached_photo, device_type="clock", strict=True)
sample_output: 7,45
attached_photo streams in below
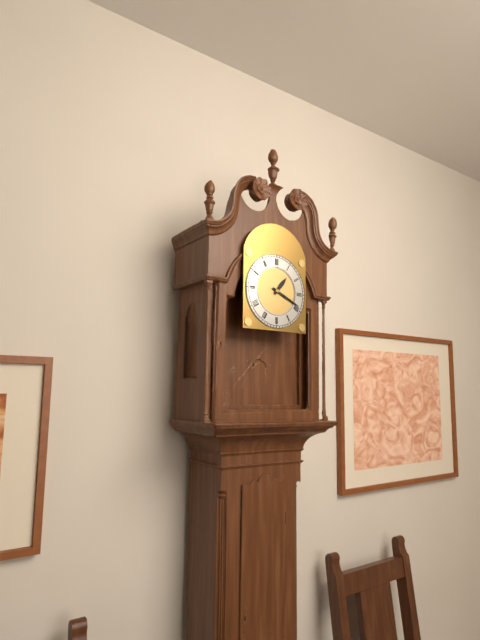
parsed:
1,19
